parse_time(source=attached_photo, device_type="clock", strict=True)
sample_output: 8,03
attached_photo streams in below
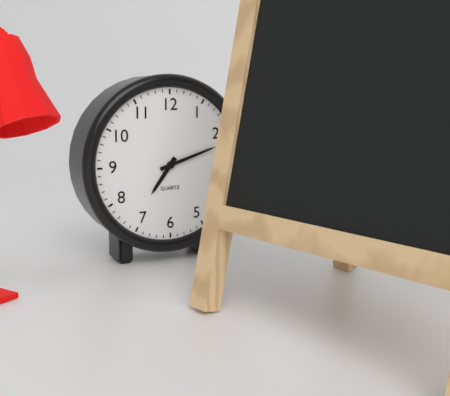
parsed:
7,12
